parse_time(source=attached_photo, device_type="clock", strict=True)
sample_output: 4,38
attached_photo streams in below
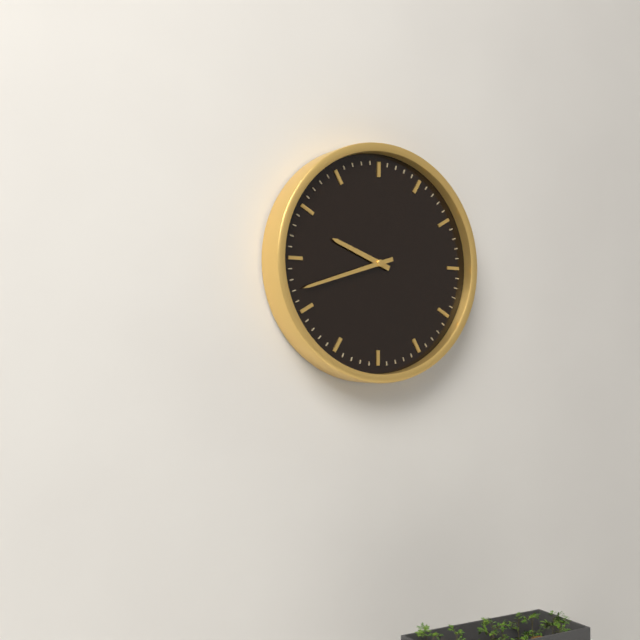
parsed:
9,42
